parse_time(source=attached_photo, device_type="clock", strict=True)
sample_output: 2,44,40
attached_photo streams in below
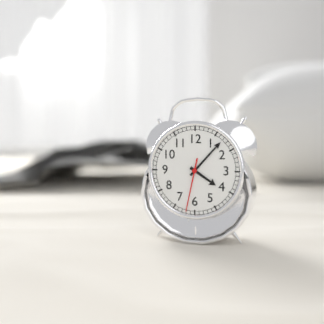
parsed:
4,07,32
